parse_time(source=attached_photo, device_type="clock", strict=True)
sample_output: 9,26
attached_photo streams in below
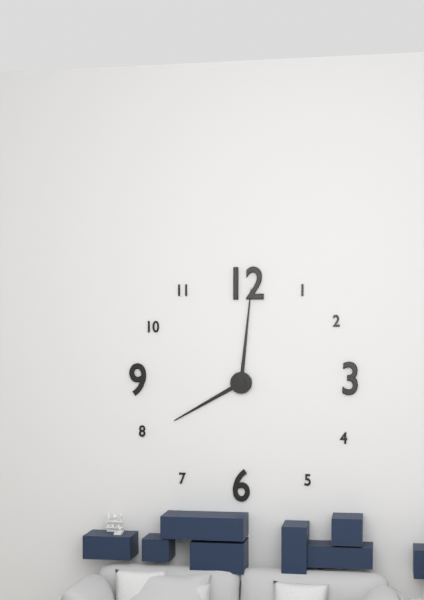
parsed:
8,01
